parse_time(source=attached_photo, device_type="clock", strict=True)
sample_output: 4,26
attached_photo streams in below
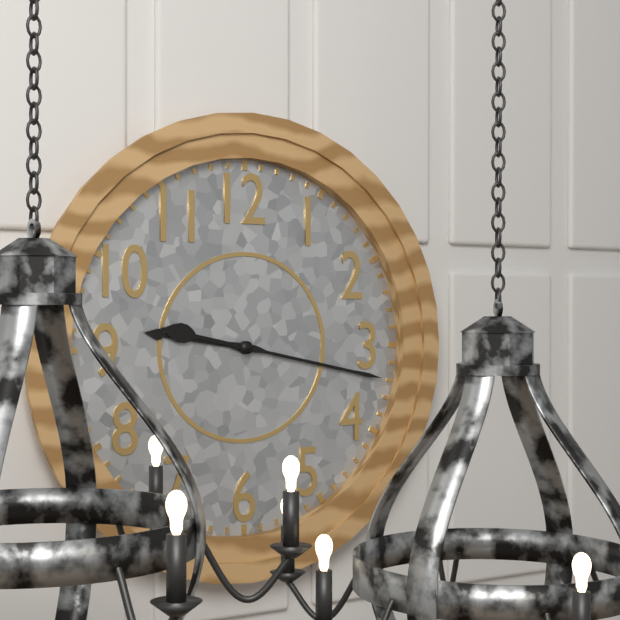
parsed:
9,17
